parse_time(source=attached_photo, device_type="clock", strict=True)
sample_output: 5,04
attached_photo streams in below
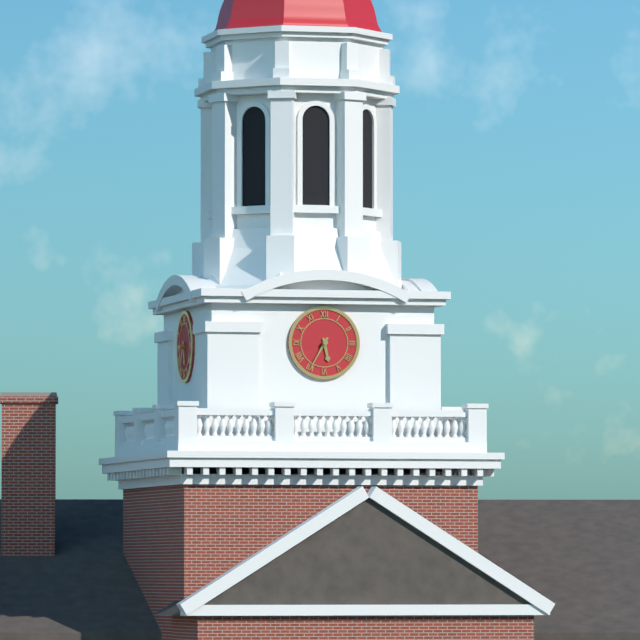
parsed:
5,35
